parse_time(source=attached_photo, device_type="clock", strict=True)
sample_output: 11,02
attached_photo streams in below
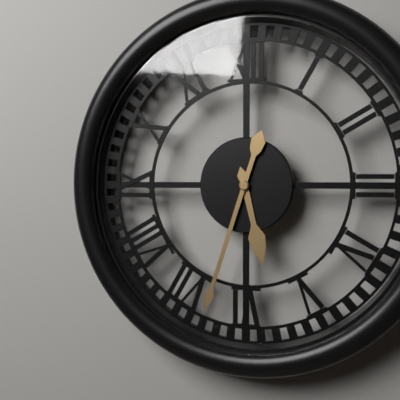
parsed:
5,33
